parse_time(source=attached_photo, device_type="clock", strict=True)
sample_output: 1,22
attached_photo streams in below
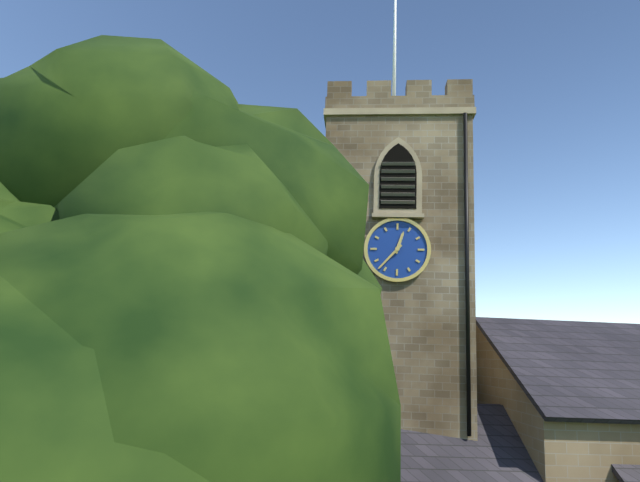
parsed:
12,37
